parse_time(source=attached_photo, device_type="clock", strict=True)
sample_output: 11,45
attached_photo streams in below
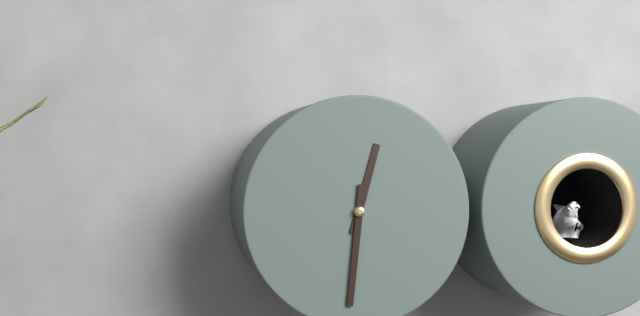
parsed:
12,31
